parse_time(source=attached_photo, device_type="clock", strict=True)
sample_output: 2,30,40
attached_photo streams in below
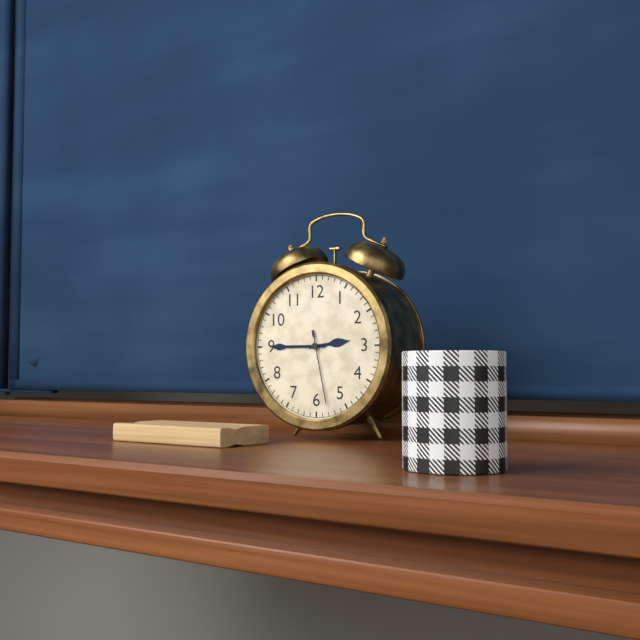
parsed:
2,45,28
